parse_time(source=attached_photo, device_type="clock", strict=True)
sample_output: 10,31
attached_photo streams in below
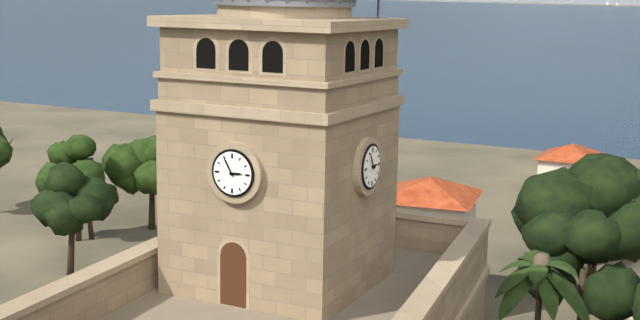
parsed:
2,55
